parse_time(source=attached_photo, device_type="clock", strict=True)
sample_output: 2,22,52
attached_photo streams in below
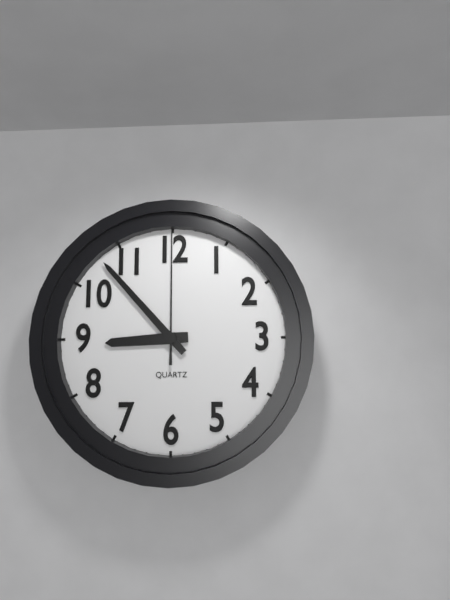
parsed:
8,53,00
